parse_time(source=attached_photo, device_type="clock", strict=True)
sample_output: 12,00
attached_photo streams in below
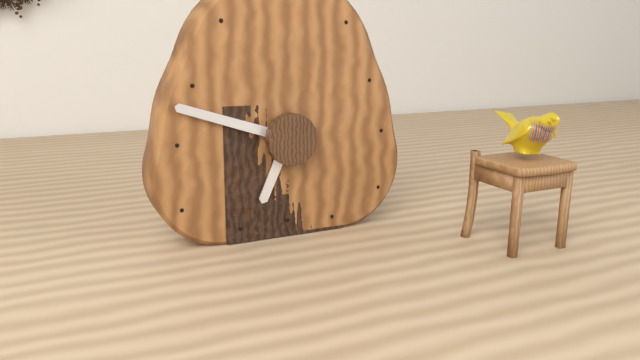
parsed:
6,48
